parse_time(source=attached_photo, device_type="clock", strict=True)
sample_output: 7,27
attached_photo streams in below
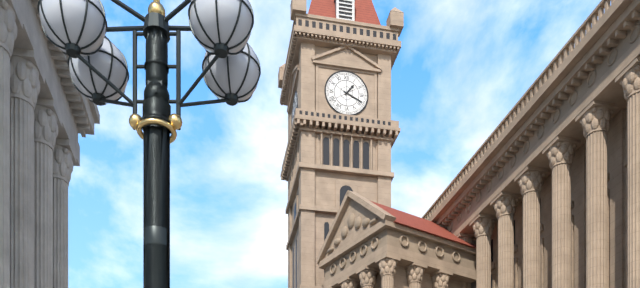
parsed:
1,19
